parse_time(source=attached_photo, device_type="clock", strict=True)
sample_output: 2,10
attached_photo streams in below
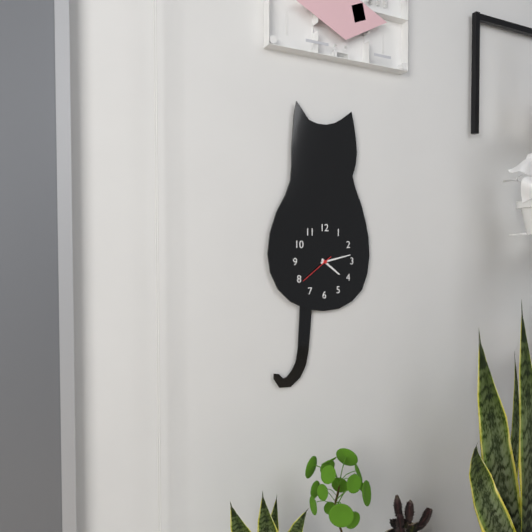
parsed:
4,13
